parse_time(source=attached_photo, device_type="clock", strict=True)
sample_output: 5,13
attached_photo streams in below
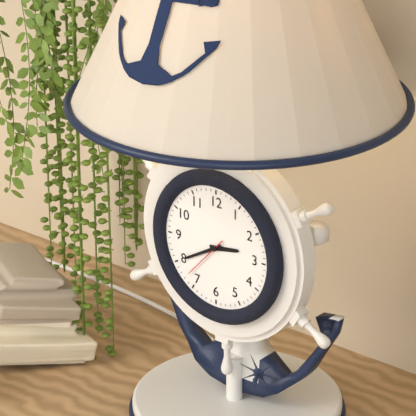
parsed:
2,40
